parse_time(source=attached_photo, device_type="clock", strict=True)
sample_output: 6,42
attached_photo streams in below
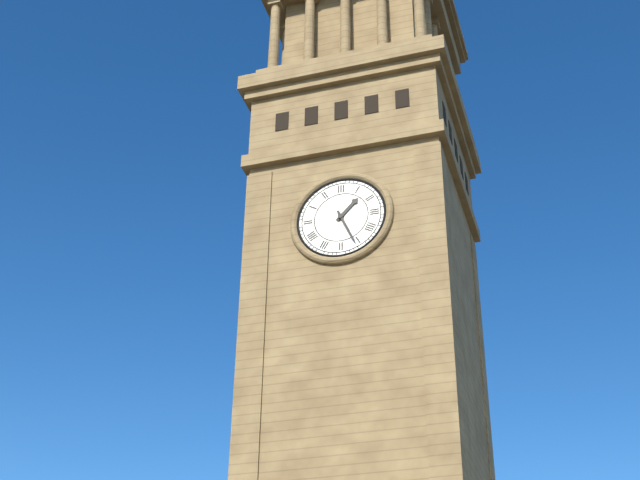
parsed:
1,26
